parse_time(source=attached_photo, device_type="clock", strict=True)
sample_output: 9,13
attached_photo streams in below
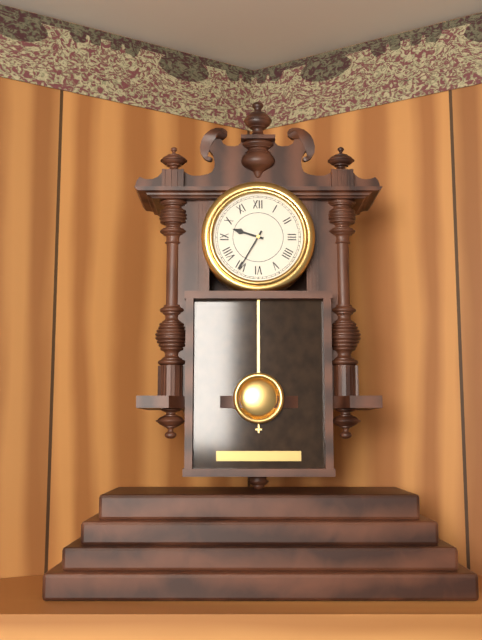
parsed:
9,35
